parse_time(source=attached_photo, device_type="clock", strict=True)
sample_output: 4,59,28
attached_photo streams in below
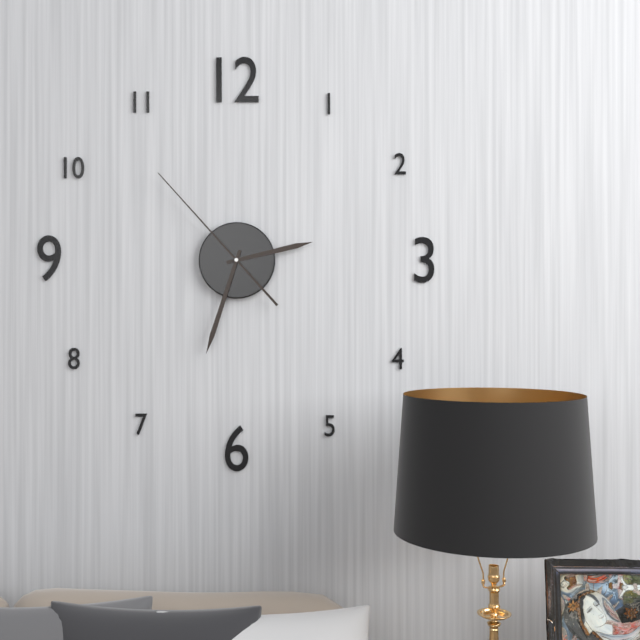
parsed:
2,33,53
